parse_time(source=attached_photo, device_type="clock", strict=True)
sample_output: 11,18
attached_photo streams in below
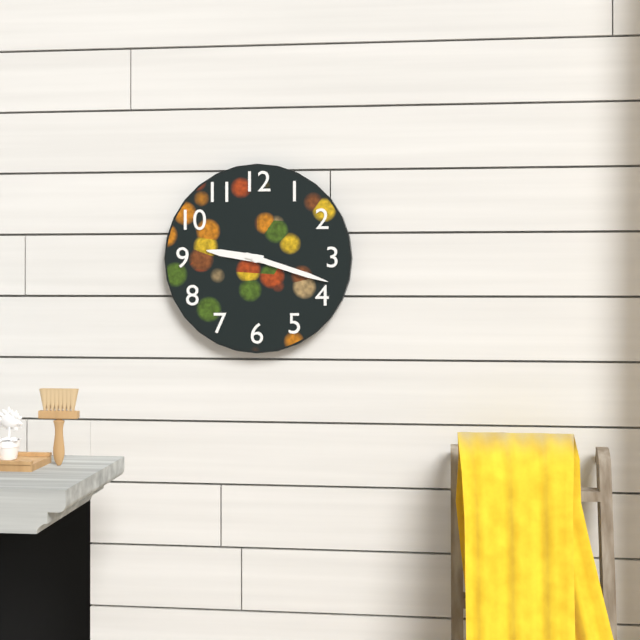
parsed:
9,18
